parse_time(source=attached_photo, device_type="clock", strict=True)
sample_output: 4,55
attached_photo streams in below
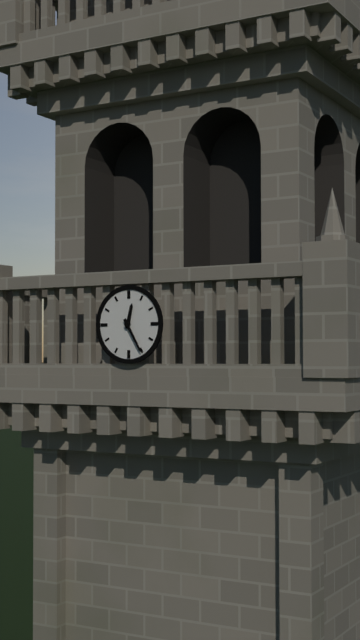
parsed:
12,25
